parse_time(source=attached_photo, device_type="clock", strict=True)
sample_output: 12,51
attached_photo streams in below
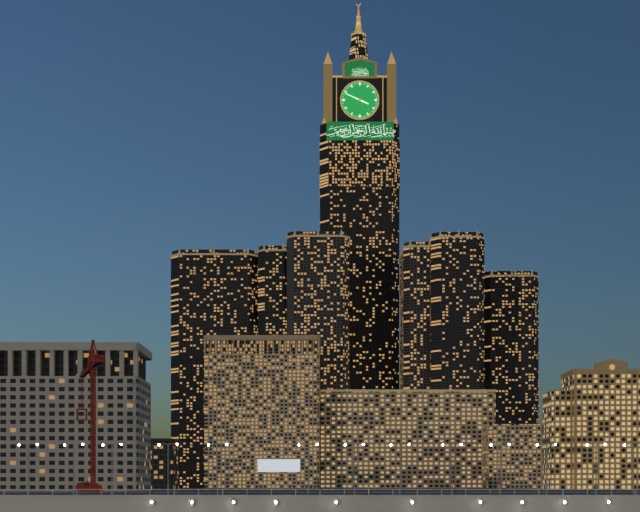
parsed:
3,49
